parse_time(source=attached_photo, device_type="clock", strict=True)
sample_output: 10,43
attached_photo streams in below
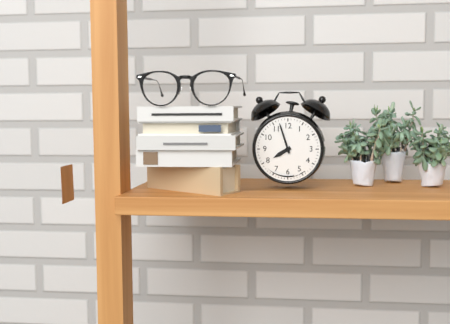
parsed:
7,57
